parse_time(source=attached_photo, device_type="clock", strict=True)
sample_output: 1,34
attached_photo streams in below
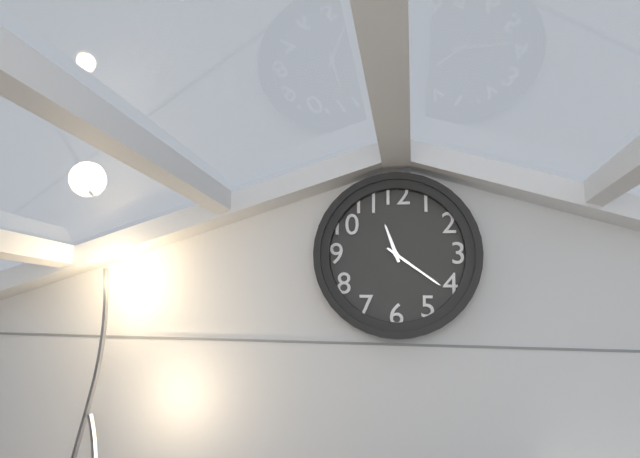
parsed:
11,21
